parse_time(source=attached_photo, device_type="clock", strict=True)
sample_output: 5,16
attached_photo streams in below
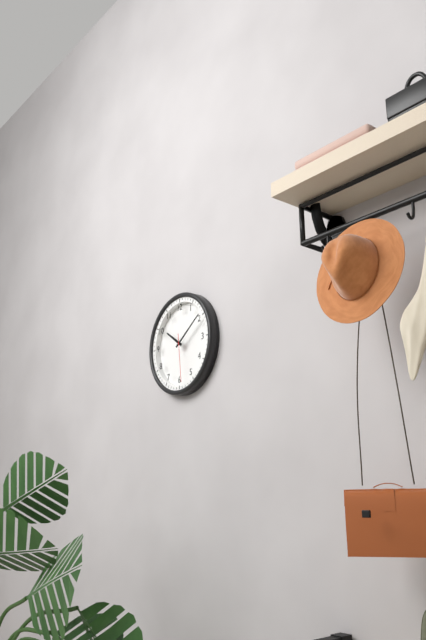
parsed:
10,09
